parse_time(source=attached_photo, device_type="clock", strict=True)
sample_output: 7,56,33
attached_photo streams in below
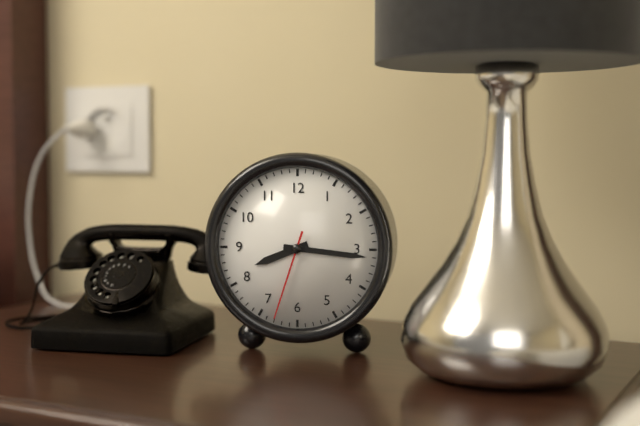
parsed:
8,16,33
